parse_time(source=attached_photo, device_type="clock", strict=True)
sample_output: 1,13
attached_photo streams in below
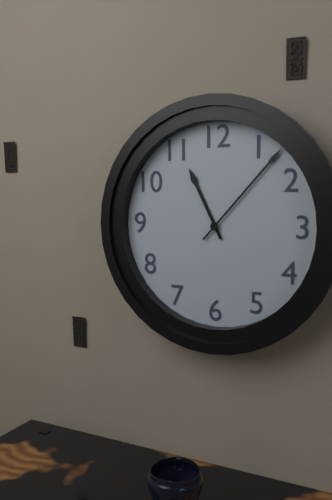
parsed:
11,07
